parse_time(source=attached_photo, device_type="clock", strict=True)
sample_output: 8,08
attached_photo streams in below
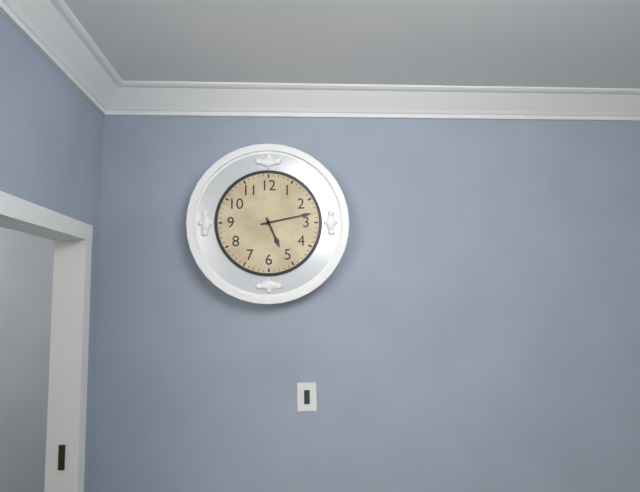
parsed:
5,13
